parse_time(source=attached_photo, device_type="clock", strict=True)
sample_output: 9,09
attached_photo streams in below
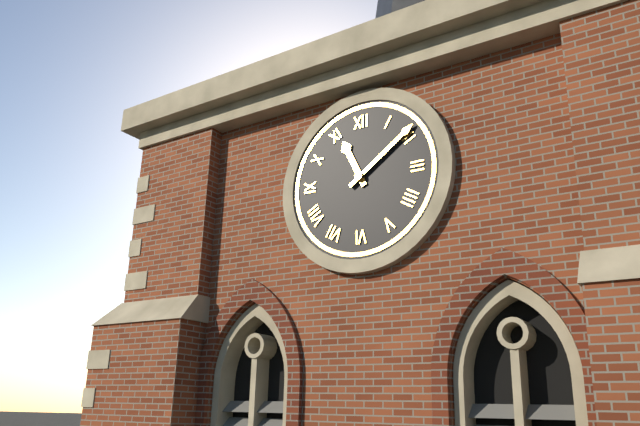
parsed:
11,09
